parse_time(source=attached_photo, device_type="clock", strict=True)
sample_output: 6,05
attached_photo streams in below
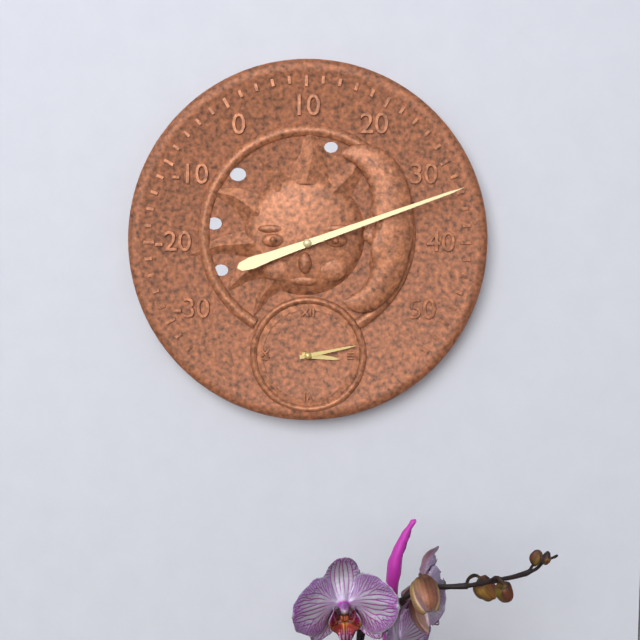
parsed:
3,13
